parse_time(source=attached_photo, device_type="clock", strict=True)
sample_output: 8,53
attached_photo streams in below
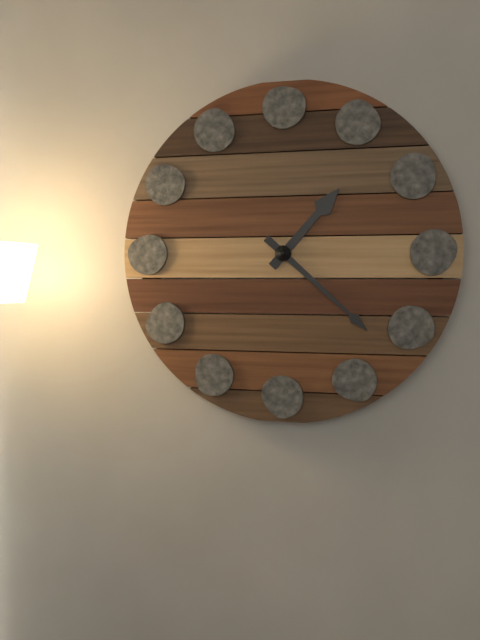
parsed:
1,22
